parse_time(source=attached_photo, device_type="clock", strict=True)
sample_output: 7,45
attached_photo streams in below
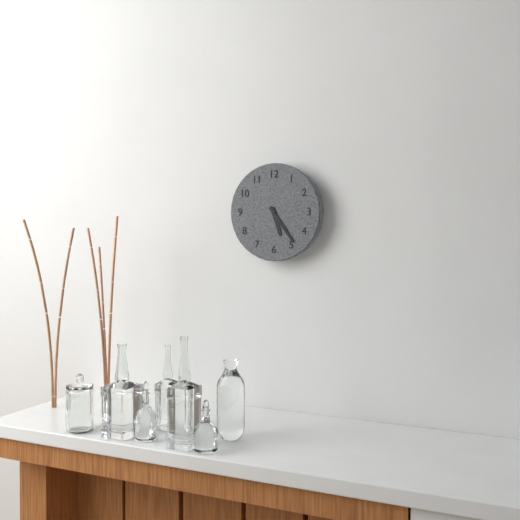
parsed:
5,24
